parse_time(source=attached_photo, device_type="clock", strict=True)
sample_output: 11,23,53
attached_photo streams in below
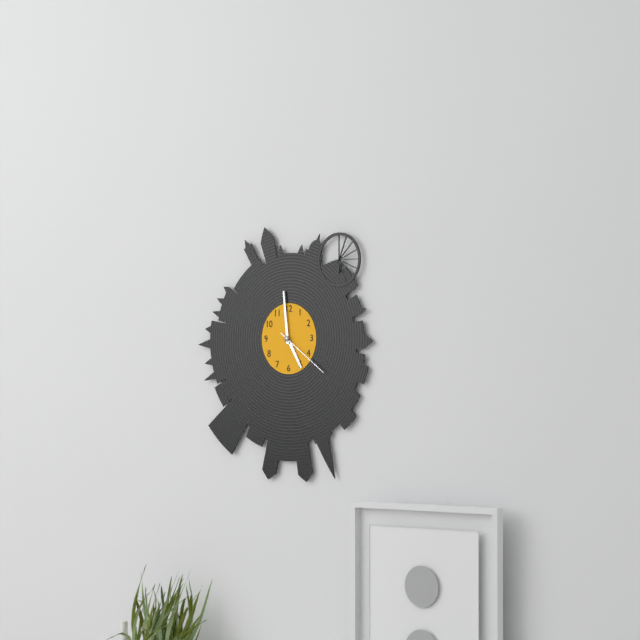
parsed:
4,59,21
